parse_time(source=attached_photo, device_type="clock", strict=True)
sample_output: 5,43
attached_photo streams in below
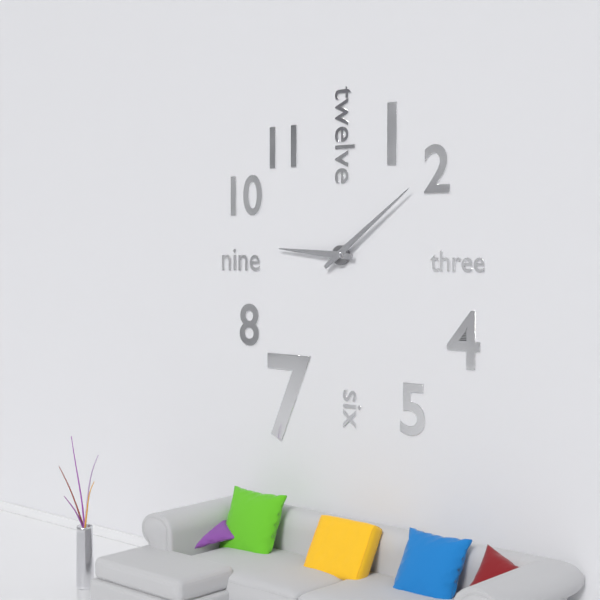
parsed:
9,09
